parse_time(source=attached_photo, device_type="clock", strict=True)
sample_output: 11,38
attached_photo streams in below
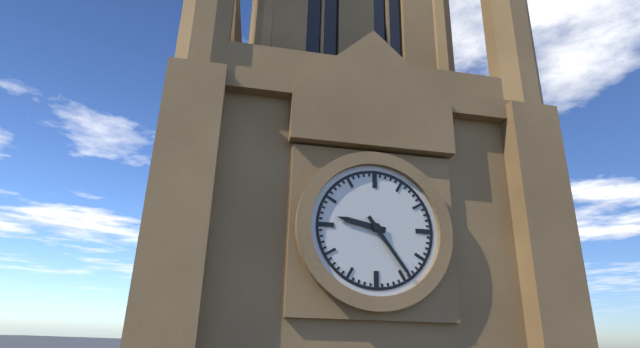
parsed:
9,24
